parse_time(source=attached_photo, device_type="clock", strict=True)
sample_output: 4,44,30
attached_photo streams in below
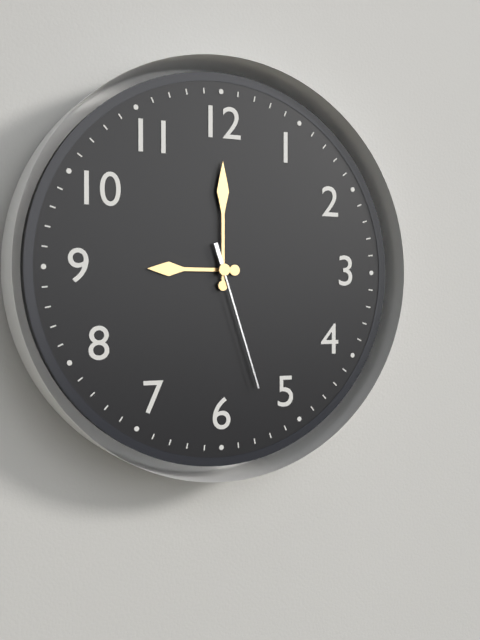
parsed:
9,00,27
